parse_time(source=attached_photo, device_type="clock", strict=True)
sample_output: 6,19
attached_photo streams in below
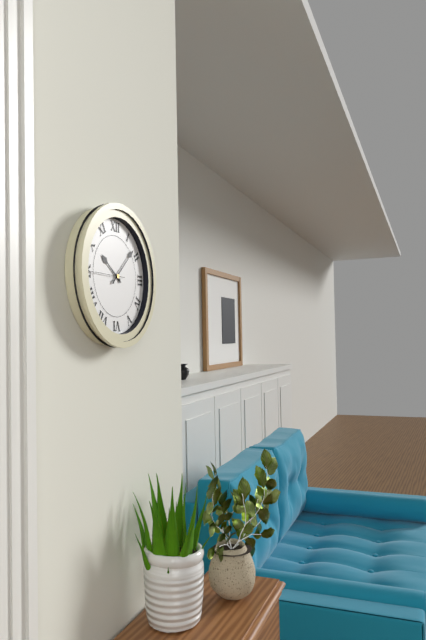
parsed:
10,08
